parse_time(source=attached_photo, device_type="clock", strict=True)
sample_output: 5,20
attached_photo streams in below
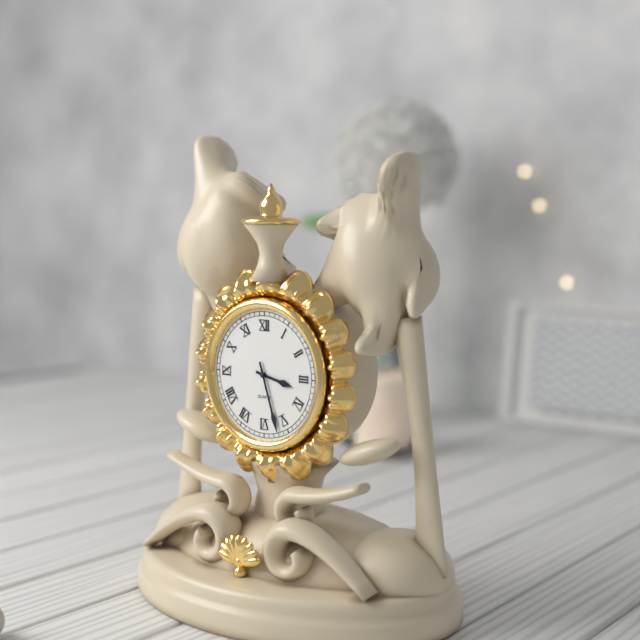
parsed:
3,27
